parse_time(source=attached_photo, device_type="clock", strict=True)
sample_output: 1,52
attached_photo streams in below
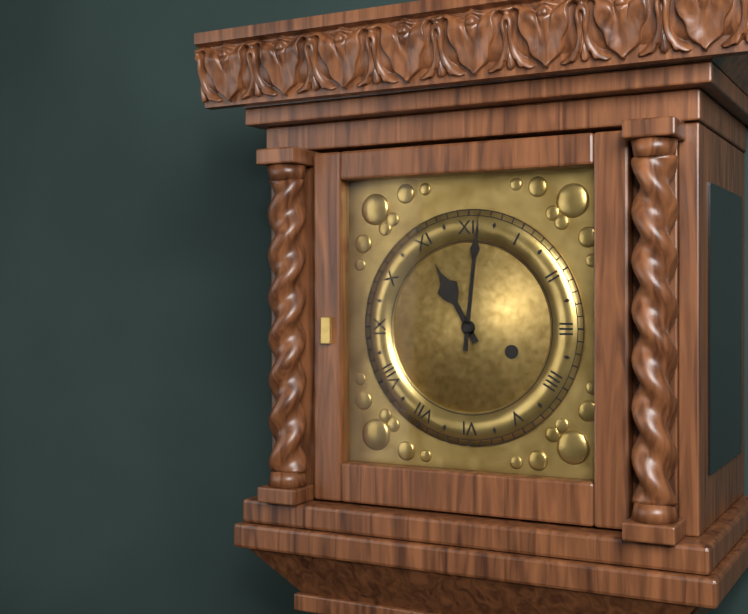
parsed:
11,01
